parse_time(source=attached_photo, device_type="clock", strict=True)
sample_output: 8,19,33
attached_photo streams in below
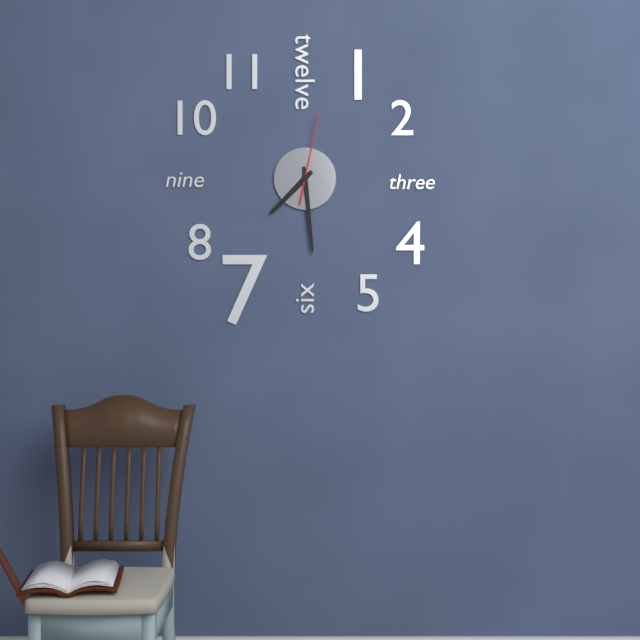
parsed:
7,29,02
